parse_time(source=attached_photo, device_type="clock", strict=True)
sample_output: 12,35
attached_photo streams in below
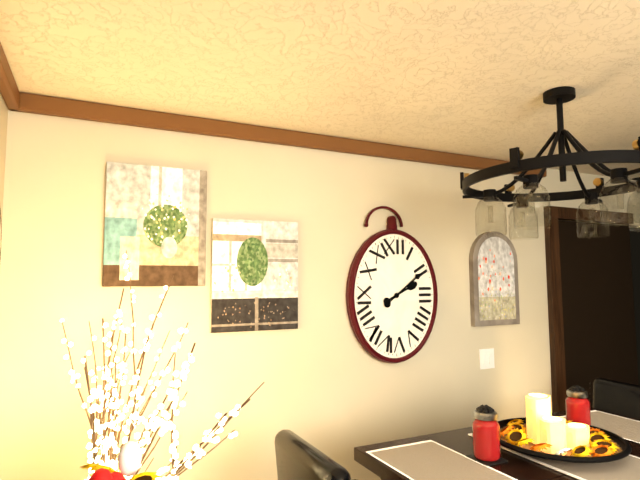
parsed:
2,09
